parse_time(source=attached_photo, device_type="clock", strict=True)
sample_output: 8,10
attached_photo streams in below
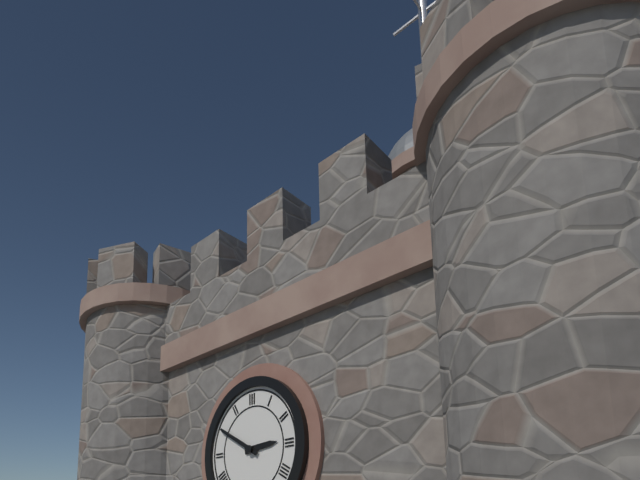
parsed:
2,50
